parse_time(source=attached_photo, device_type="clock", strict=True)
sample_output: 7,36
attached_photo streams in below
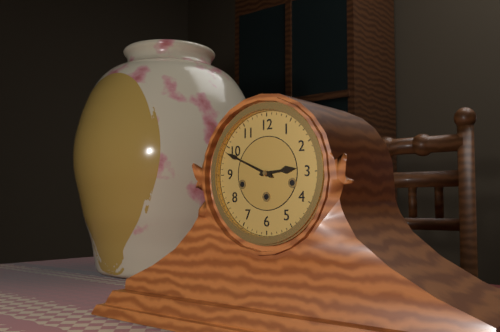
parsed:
2,49
